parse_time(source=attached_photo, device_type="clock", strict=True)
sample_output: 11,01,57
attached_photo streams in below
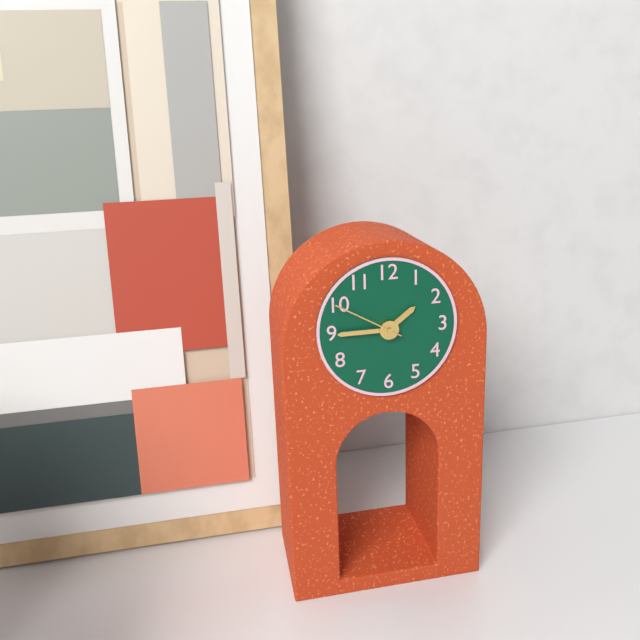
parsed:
1,45,50
